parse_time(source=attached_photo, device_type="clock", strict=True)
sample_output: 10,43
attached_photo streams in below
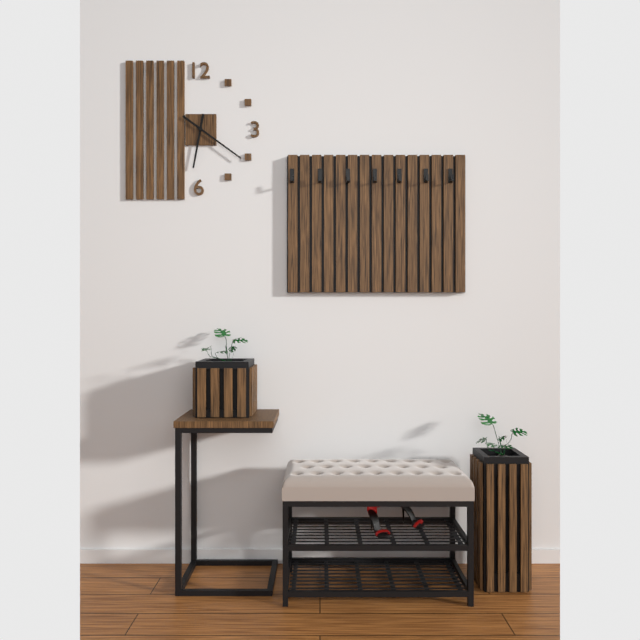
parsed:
6,21
